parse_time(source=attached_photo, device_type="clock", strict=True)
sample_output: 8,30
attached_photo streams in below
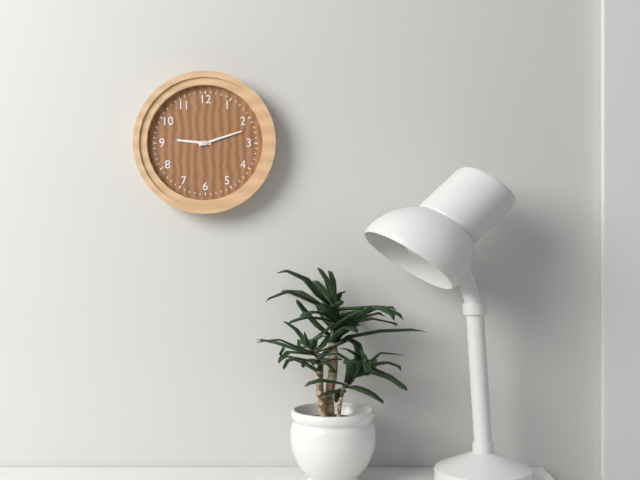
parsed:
9,12
